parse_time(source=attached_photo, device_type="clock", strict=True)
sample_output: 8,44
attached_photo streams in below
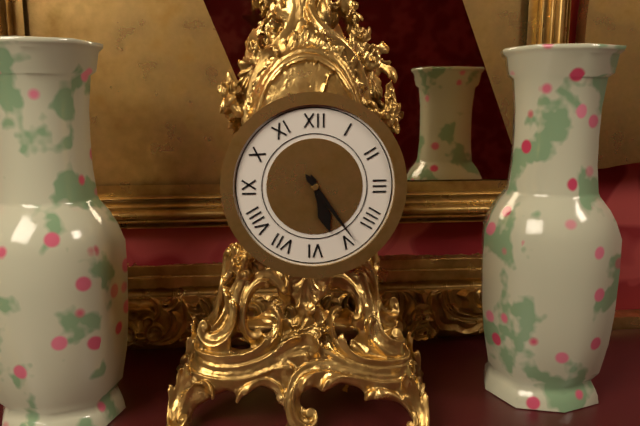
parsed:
5,24
